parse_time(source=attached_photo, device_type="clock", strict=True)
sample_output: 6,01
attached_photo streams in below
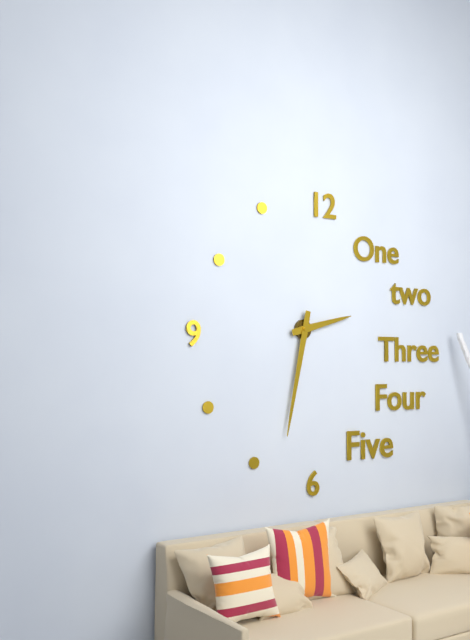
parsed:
2,32
